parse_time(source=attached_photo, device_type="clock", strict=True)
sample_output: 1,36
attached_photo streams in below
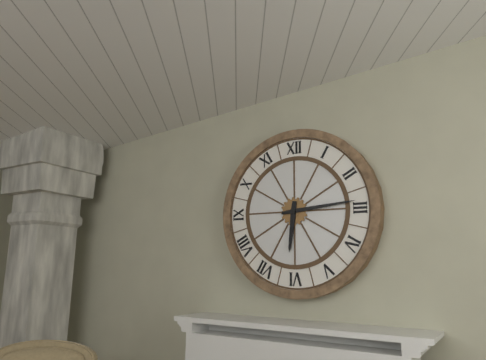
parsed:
6,14
